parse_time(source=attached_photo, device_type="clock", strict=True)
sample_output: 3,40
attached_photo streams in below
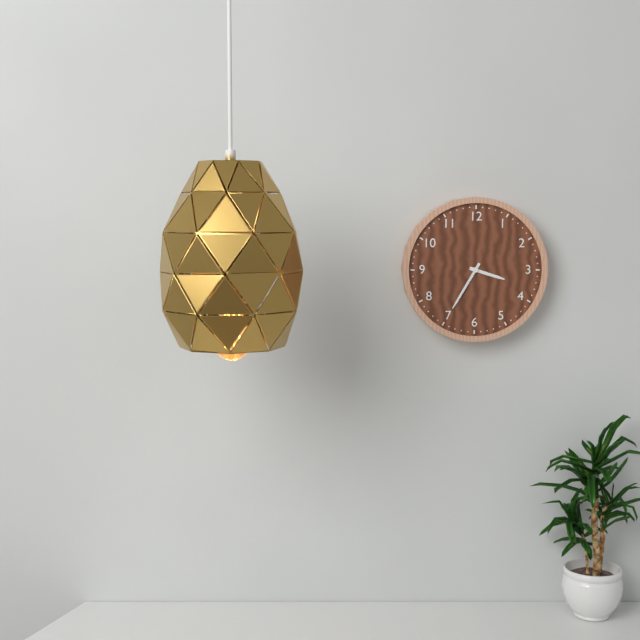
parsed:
3,35
